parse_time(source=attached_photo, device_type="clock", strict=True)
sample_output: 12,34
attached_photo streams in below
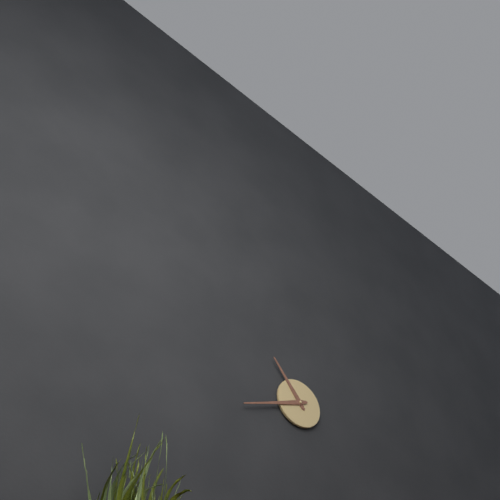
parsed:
10,41
